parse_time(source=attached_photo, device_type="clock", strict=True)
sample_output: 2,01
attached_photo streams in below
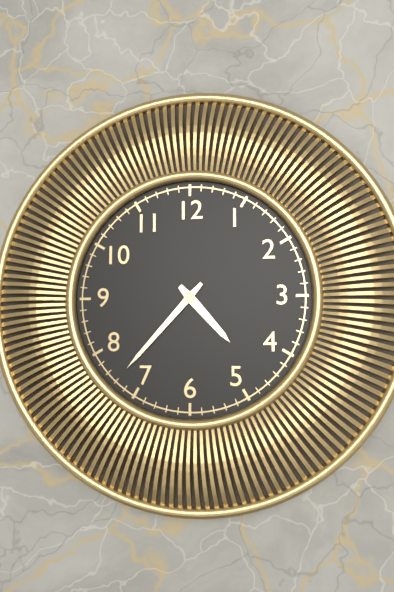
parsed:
4,37
